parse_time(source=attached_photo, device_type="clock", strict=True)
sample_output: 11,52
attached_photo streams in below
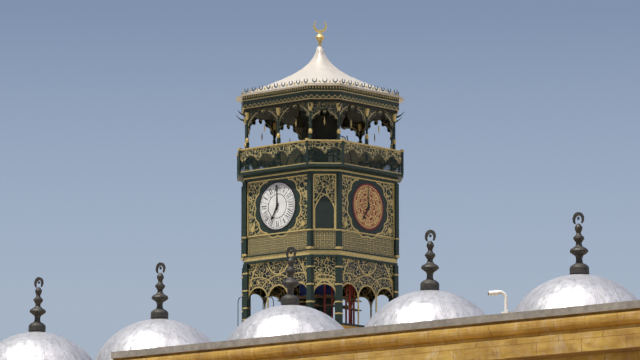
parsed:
7,00
